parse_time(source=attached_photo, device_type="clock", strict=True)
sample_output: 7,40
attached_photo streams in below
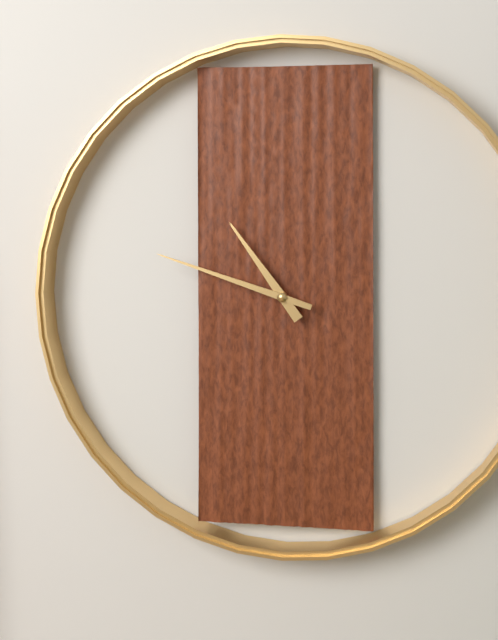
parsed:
10,48
